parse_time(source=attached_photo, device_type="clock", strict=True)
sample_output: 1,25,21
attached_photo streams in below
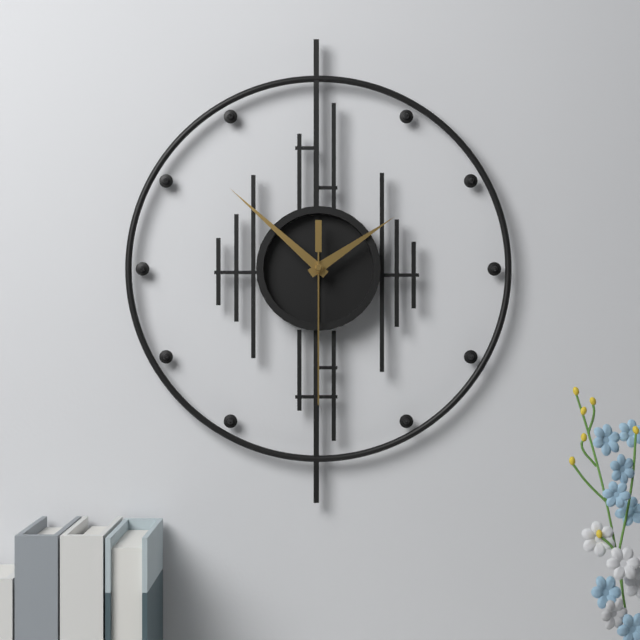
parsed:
1,52,30
